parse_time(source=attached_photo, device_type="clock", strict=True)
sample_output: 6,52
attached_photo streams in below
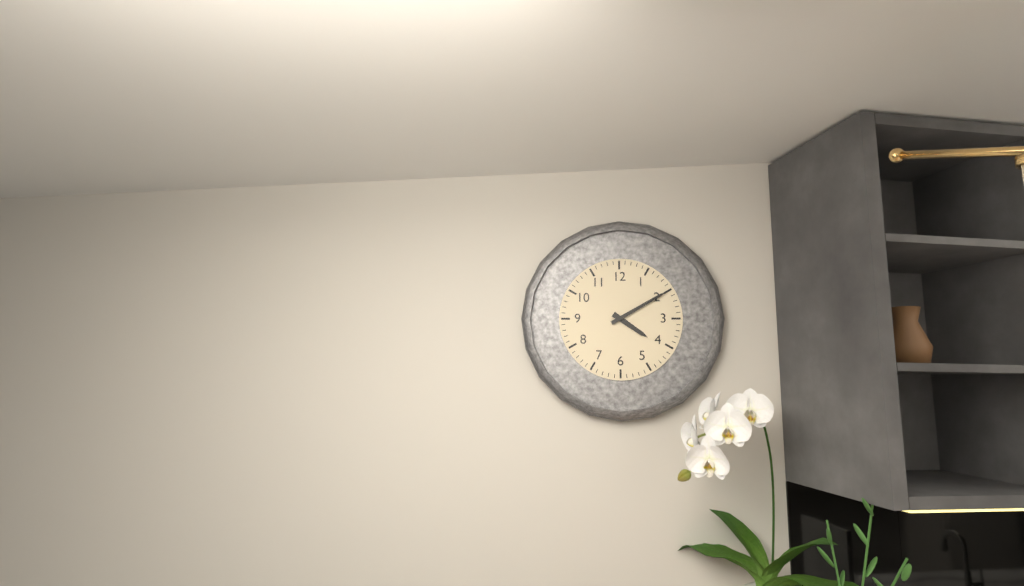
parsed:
4,10
